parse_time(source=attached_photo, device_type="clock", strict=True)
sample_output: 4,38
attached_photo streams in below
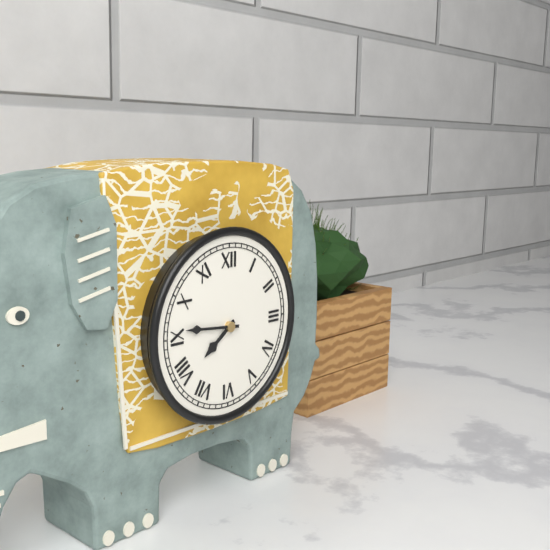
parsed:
7,46
